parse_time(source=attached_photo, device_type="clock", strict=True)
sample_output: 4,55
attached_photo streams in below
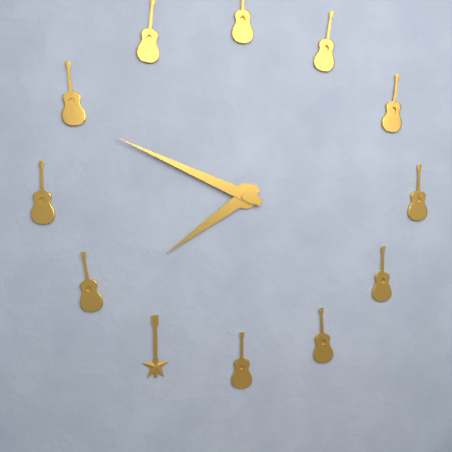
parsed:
7,49
